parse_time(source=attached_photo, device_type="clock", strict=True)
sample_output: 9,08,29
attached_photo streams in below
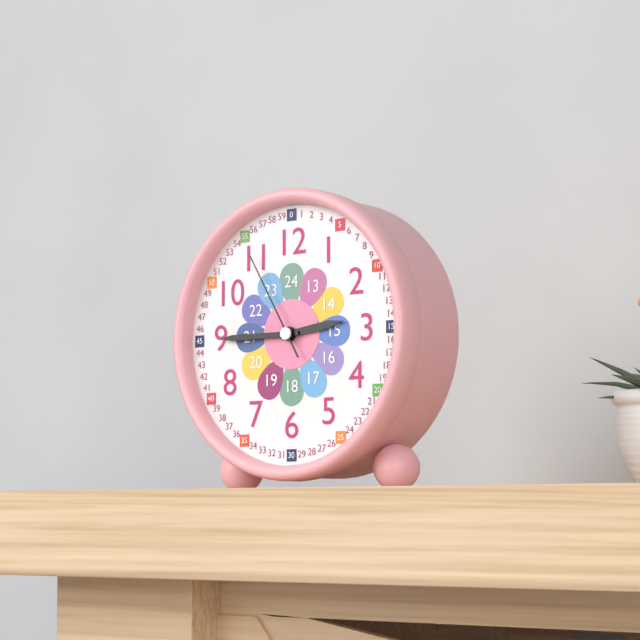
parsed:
2,45,55
